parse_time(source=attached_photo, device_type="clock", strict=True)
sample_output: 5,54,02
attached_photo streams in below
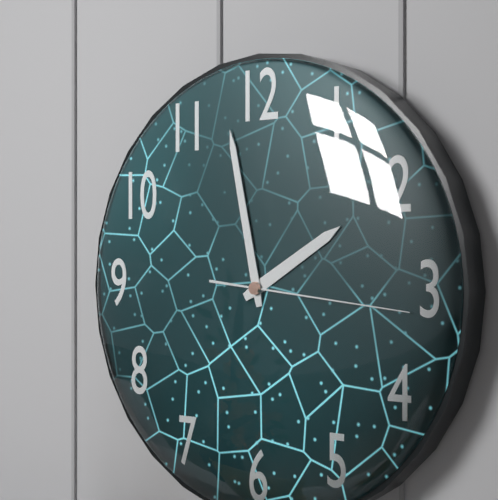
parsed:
1,58,16
